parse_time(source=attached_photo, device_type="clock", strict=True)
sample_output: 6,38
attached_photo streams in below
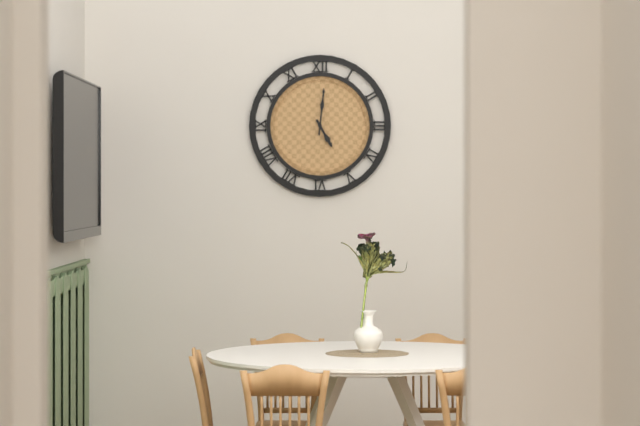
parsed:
5,01
